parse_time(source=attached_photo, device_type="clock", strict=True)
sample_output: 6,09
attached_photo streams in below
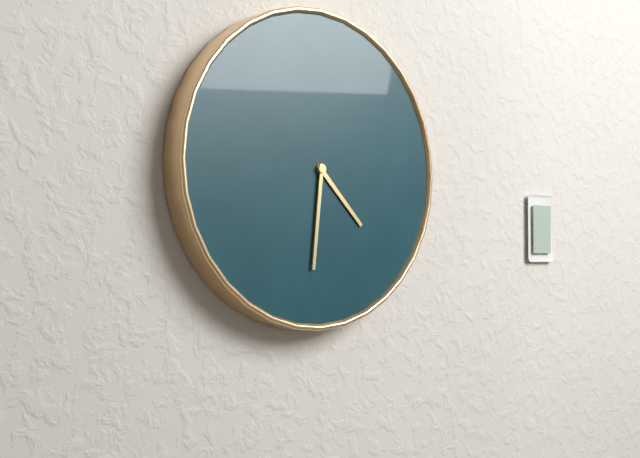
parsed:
4,31
